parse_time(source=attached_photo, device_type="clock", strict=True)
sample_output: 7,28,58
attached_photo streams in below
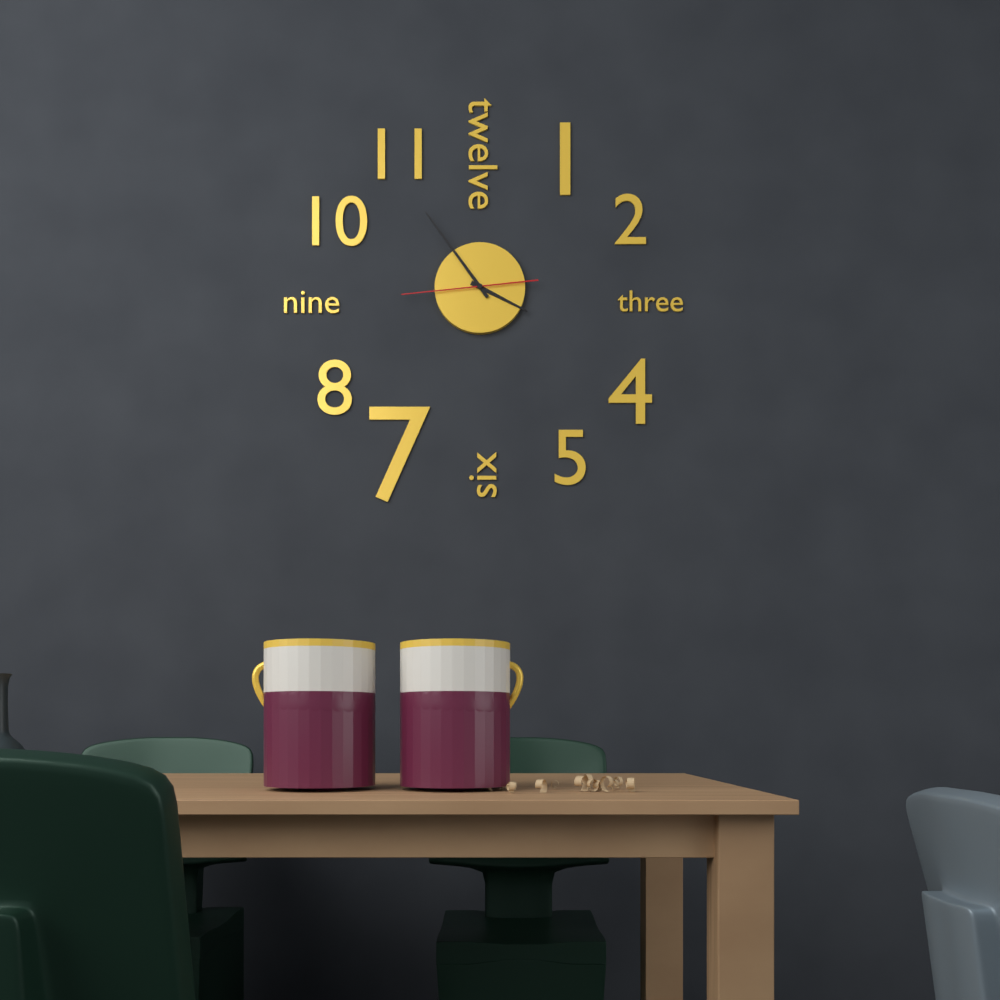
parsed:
3,54,44
